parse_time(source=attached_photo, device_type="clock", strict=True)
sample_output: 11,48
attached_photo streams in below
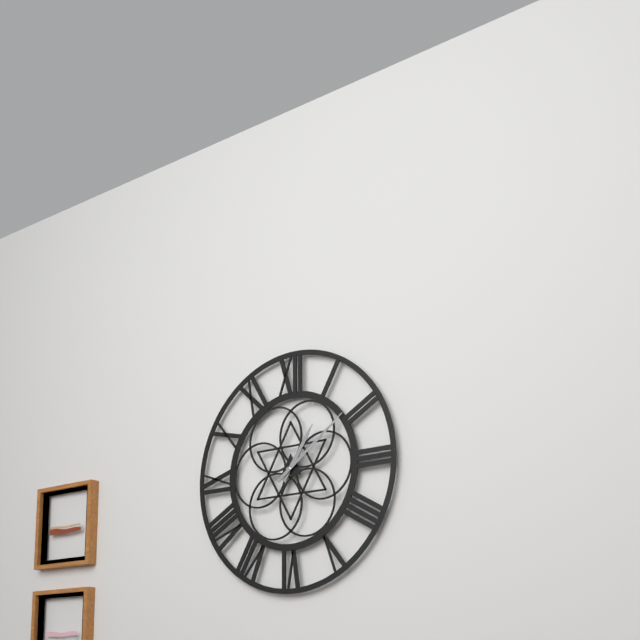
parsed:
1,09
